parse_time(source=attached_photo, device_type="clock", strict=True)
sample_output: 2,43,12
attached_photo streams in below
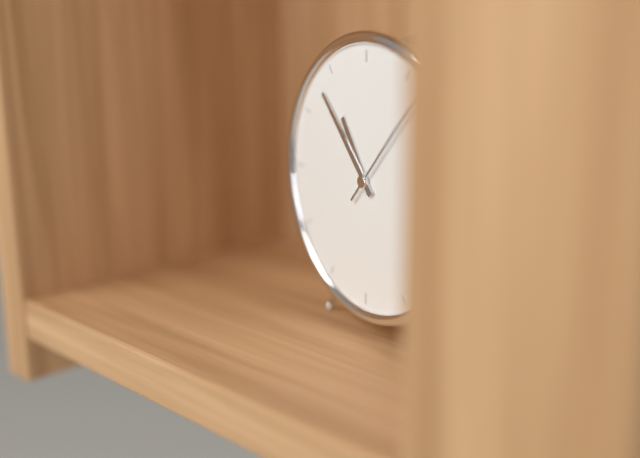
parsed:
10,53,07
